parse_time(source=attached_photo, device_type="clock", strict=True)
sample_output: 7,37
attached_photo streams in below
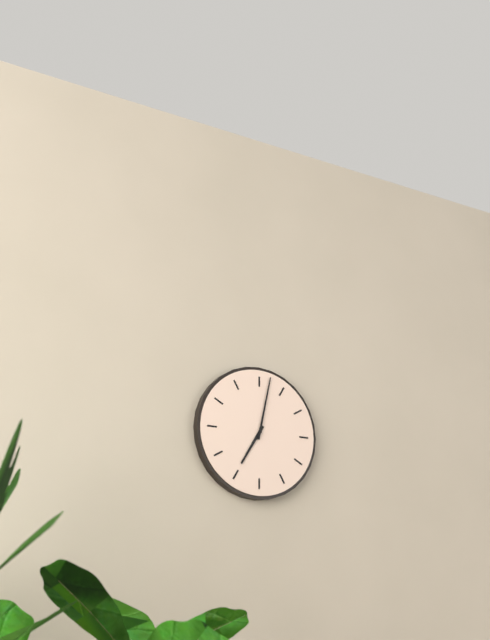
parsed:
7,02
